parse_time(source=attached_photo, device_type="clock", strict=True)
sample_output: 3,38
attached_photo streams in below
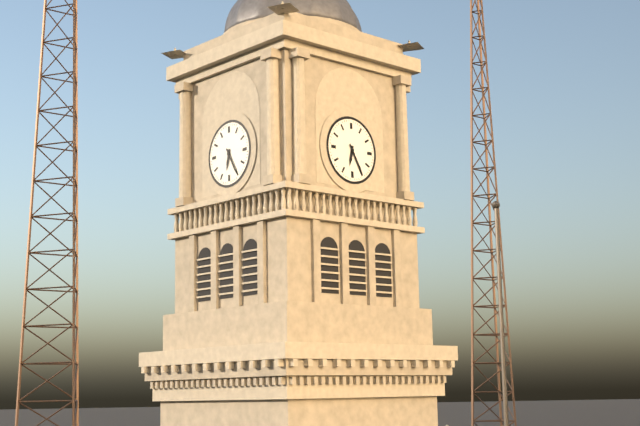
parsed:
6,25
